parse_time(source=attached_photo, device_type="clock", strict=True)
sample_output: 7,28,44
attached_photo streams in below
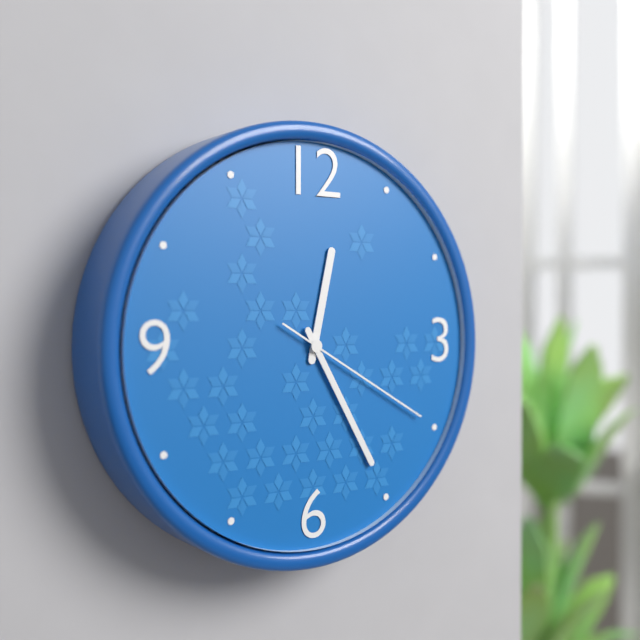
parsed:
12,25,20
